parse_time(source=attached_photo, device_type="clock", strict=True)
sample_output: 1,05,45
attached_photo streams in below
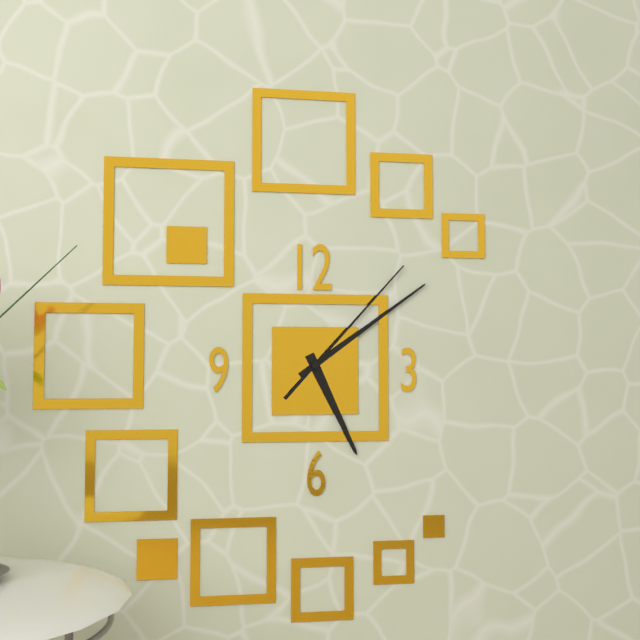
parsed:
5,09,07
